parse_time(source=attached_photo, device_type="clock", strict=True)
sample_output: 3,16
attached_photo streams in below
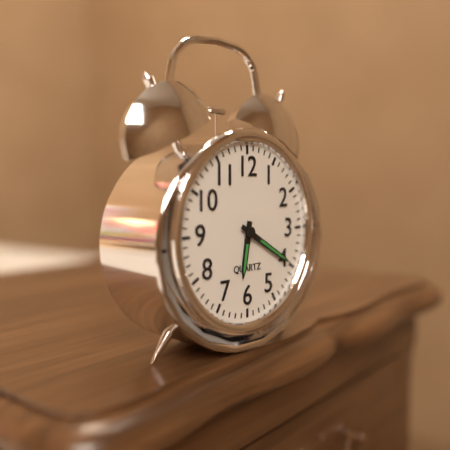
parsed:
6,20
